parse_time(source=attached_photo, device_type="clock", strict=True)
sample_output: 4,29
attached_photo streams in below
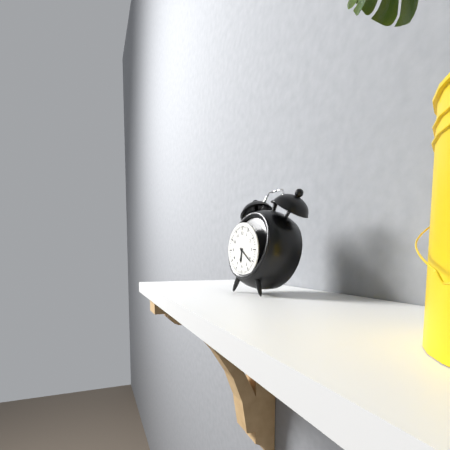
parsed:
6,21
